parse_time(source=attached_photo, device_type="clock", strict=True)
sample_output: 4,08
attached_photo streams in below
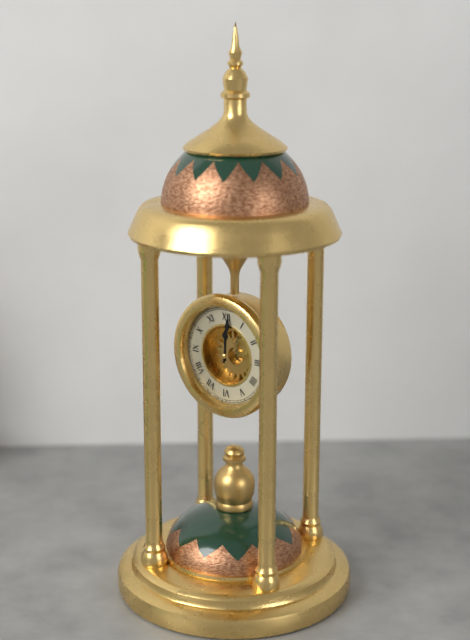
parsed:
12,01
